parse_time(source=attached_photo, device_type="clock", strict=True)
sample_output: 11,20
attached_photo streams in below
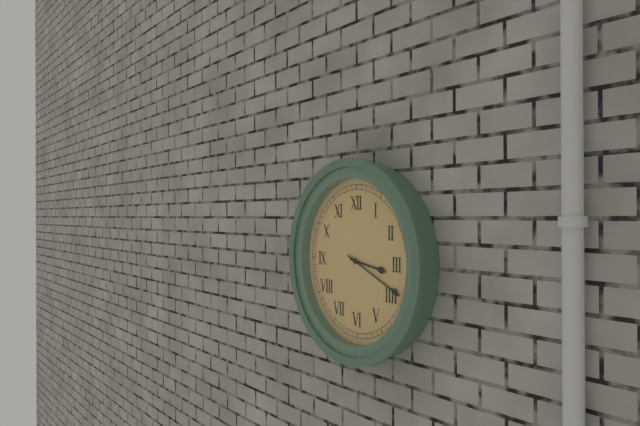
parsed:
3,19
